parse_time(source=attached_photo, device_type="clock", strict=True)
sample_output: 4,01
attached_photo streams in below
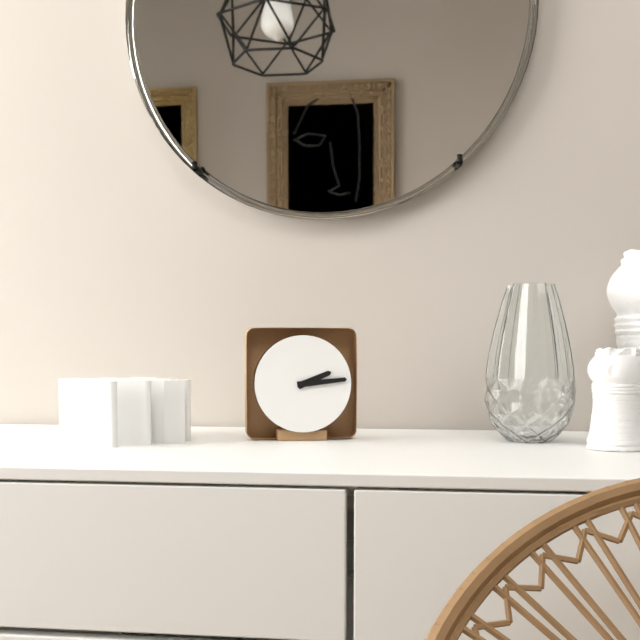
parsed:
2,14
